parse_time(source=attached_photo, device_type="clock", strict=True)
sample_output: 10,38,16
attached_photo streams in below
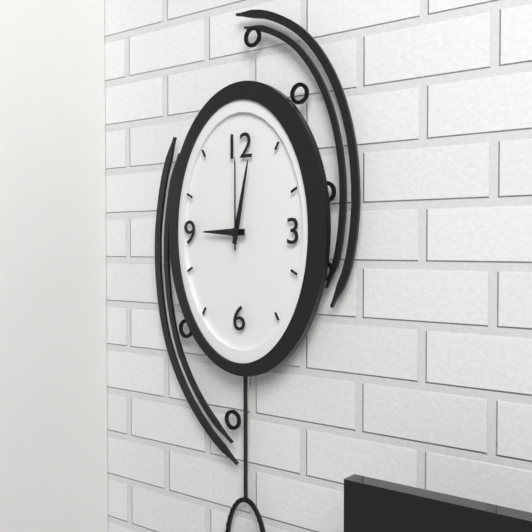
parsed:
9,02,00
